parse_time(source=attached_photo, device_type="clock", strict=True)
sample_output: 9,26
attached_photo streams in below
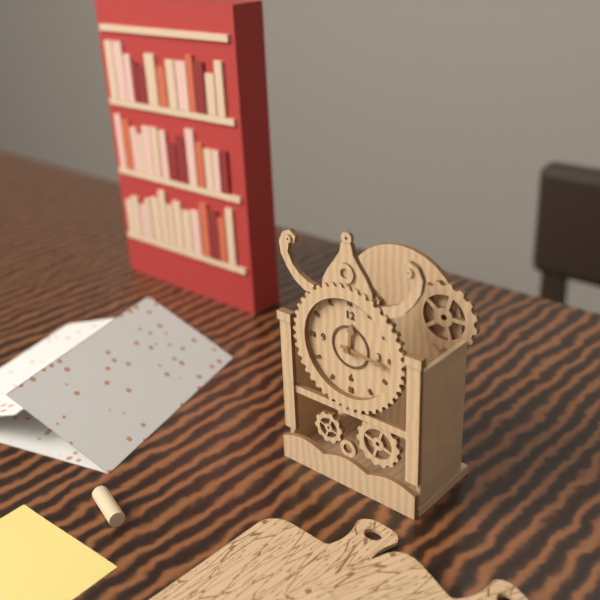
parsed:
12,16
